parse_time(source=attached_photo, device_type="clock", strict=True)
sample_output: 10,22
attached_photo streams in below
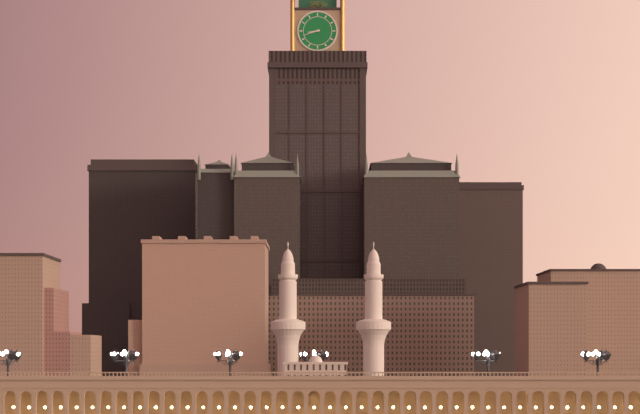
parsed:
8,42
